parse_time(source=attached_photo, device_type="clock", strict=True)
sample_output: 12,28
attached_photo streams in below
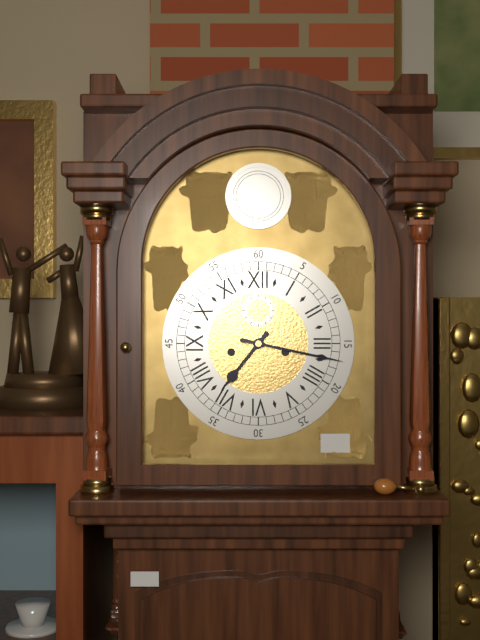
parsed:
7,17
